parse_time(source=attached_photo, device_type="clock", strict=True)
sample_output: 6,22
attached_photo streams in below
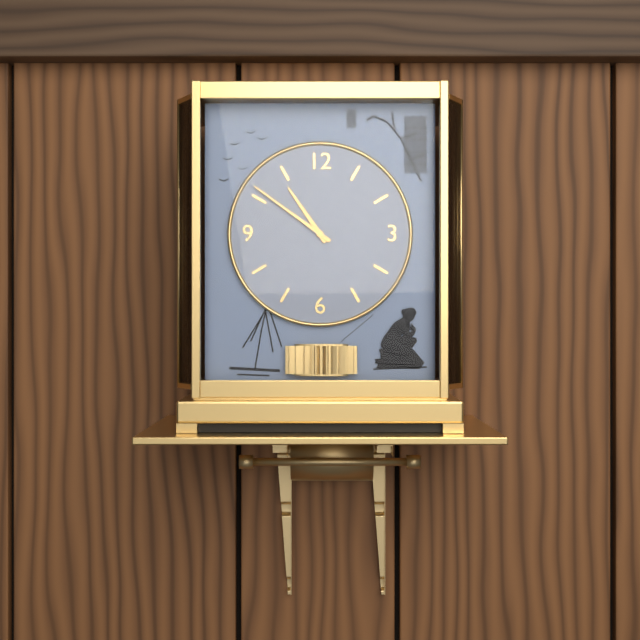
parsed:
10,51
